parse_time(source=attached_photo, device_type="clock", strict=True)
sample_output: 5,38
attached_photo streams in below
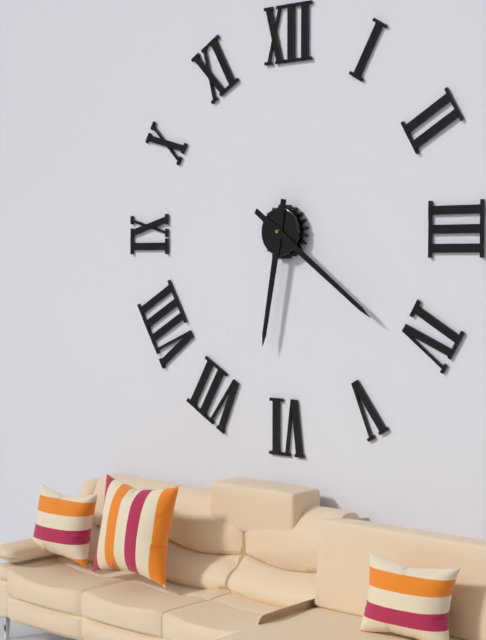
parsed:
6,21
